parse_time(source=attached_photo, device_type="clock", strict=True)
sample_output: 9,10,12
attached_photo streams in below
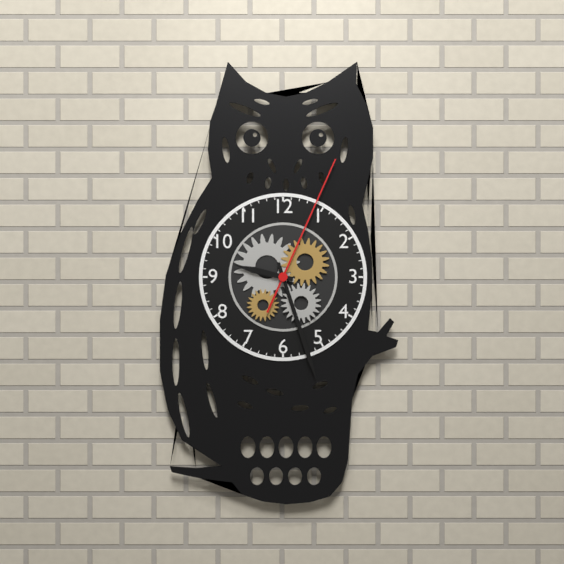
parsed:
9,27,04
